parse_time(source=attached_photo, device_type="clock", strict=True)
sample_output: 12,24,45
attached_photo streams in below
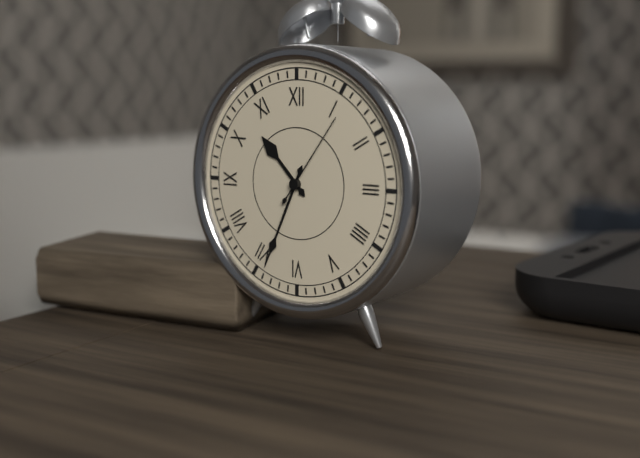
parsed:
10,34,06
